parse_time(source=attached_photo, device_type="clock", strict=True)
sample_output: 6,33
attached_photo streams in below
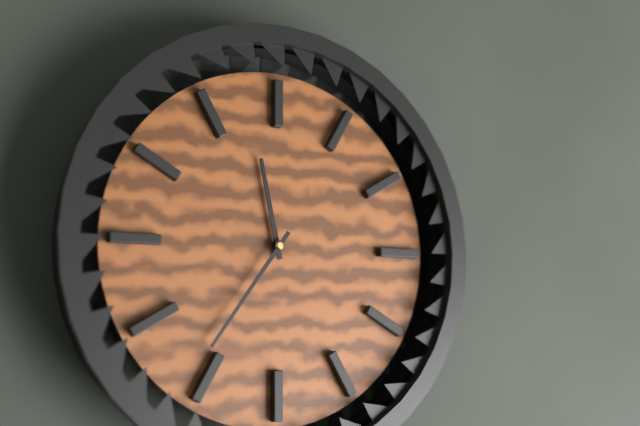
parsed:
11,36
